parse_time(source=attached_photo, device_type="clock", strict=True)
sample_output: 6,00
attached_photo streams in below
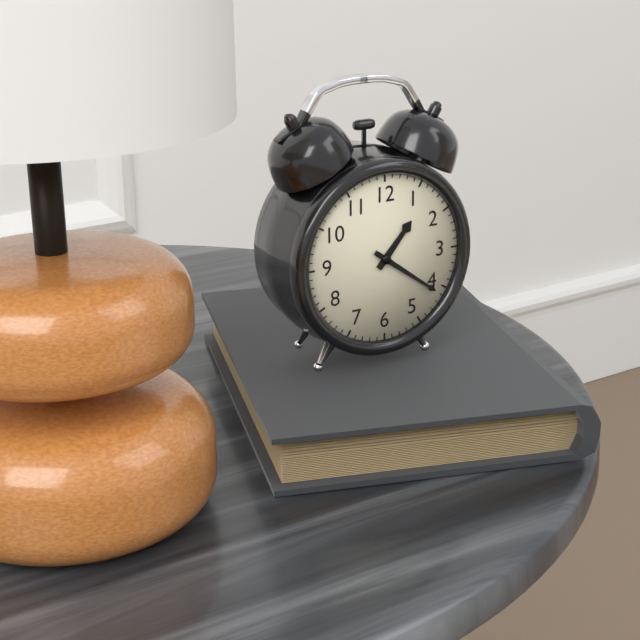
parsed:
1,21
